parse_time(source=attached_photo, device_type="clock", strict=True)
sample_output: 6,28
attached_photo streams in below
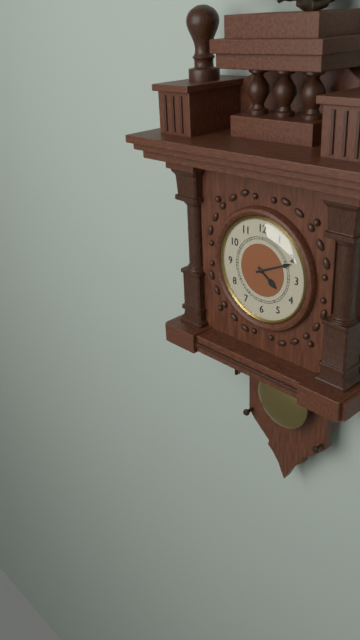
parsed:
4,11
